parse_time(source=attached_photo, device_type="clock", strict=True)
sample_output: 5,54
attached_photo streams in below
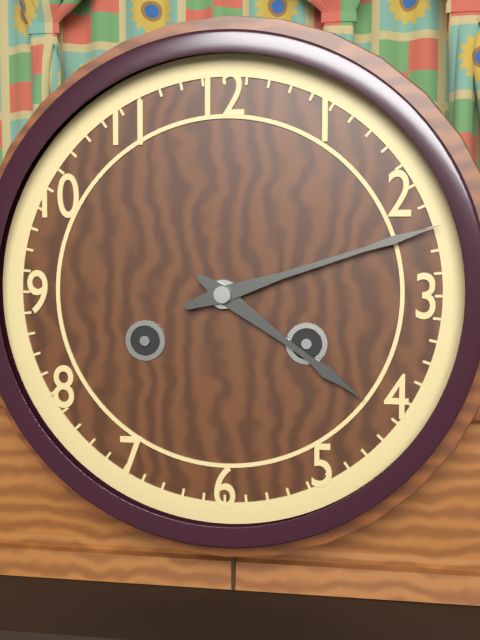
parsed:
4,12
